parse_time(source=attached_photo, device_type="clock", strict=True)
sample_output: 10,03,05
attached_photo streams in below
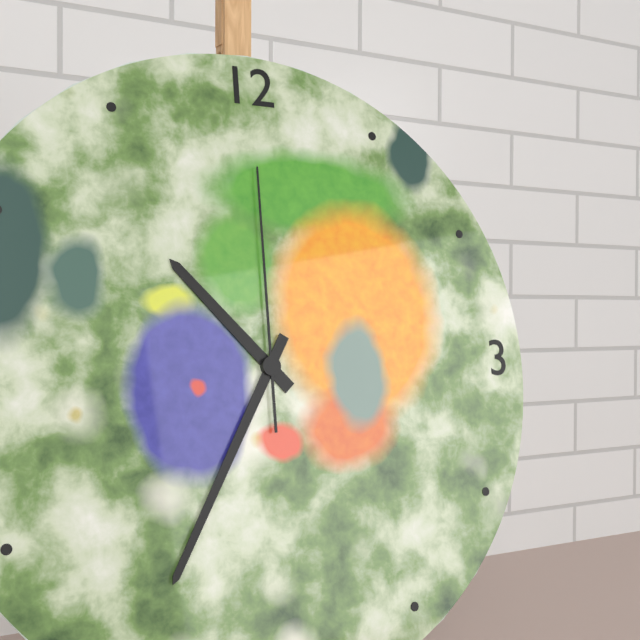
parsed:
10,35,00
